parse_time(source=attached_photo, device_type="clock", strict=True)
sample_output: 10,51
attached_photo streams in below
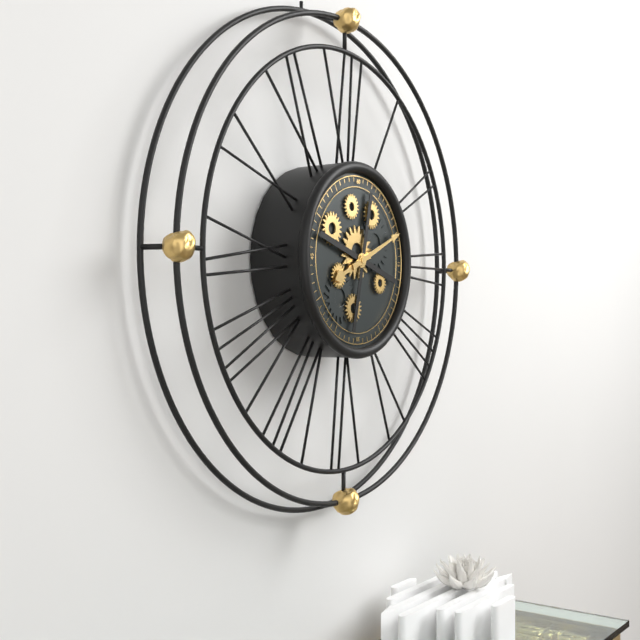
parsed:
8,11
